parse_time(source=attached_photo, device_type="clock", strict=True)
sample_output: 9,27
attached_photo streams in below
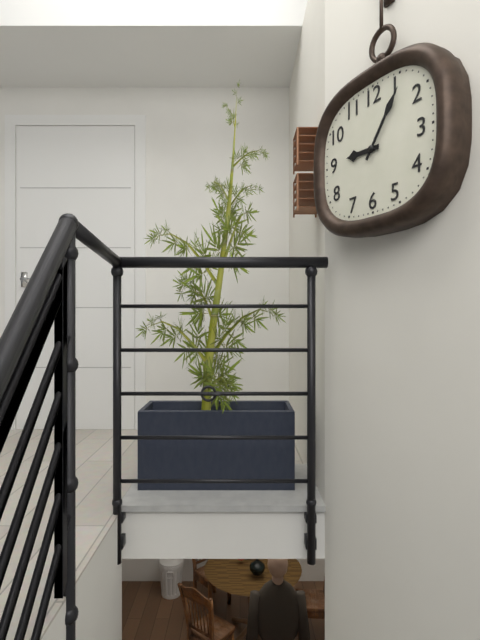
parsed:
9,06
